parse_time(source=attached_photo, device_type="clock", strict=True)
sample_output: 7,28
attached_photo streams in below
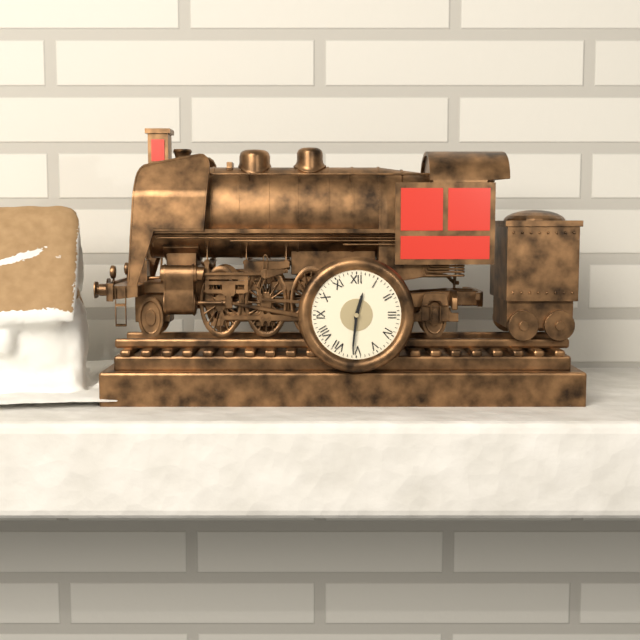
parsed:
12,31
